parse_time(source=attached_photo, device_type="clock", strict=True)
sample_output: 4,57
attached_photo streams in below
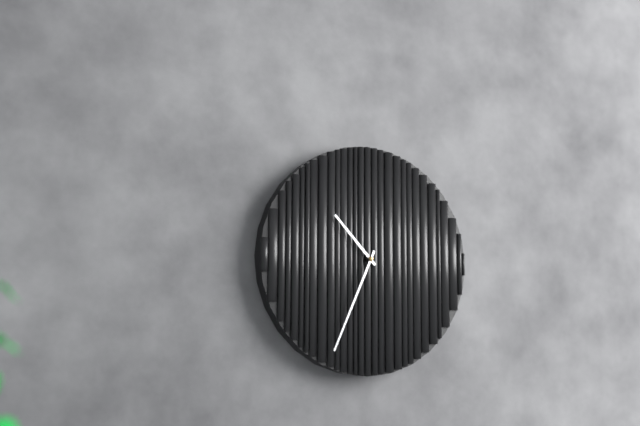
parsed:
10,34
